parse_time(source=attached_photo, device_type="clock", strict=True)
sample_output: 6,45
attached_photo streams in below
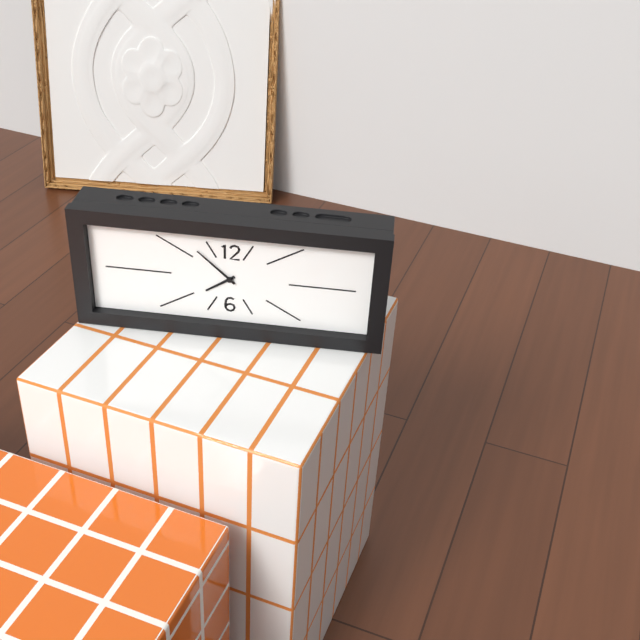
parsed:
7,52
